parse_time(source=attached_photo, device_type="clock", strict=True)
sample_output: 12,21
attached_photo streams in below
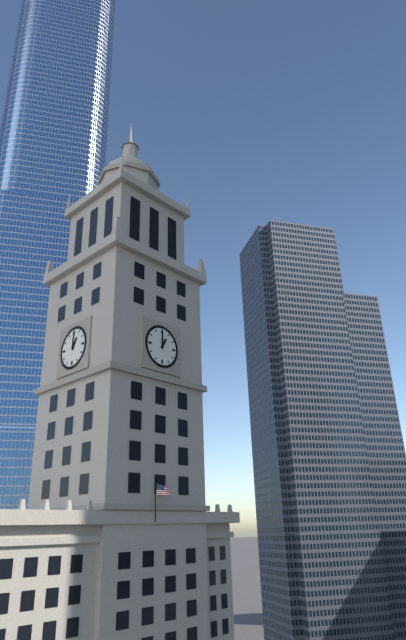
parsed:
1,00
